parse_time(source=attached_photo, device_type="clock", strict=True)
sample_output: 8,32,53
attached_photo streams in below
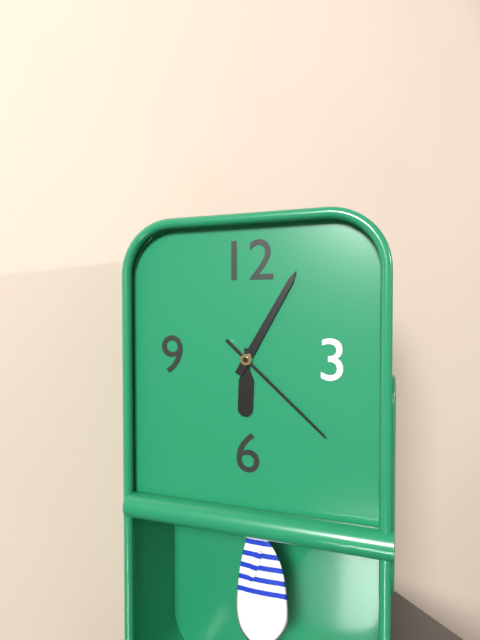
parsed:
6,05,22
